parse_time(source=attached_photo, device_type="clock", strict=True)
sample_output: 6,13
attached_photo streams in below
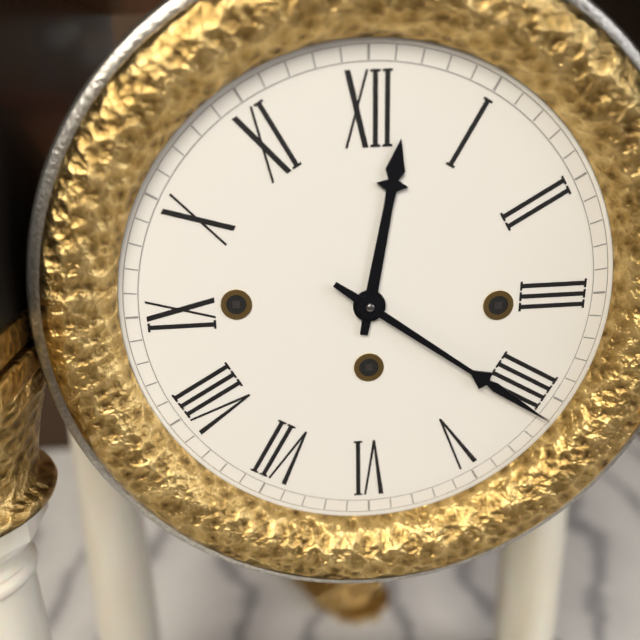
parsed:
12,21
